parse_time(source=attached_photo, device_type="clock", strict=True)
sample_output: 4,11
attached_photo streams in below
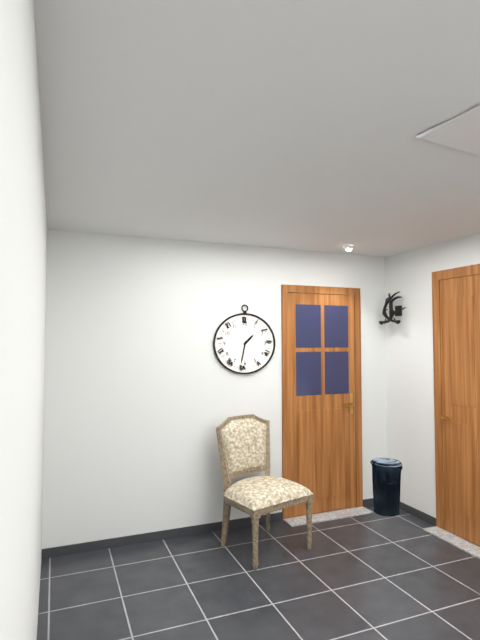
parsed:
1,32
